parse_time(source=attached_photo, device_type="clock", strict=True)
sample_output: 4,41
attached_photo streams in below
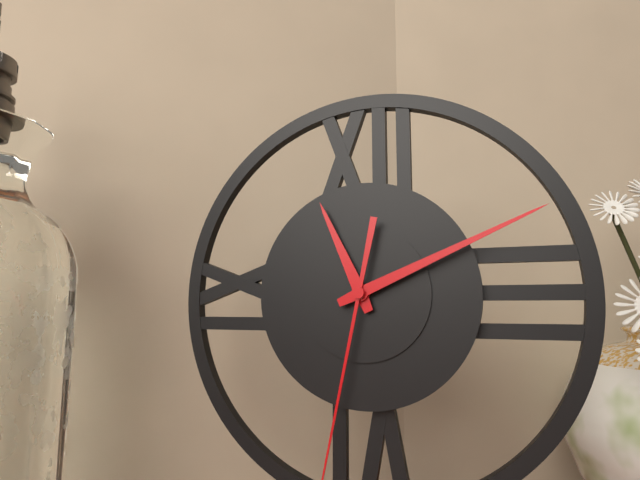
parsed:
11,11
